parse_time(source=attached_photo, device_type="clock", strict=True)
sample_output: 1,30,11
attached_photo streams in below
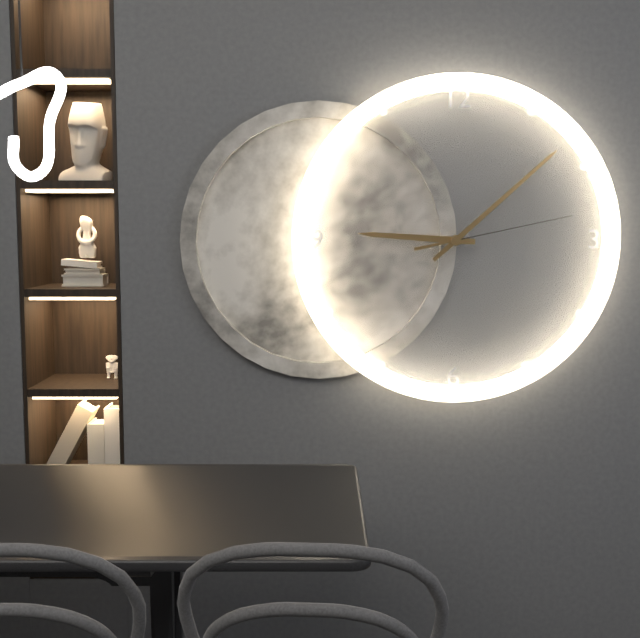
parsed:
9,08,13
